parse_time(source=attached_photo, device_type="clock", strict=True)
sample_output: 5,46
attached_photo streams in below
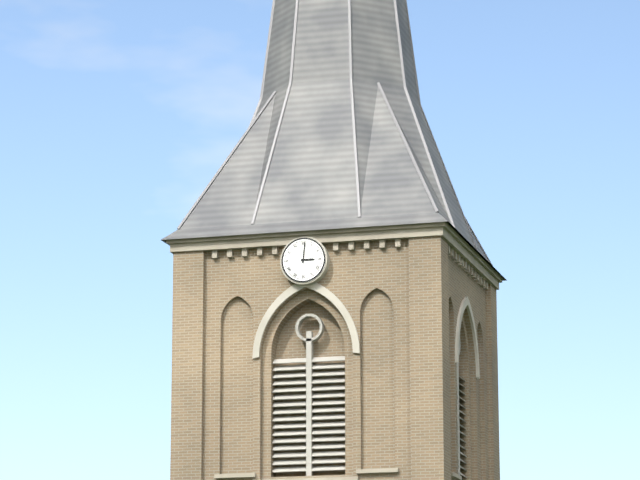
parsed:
3,01
